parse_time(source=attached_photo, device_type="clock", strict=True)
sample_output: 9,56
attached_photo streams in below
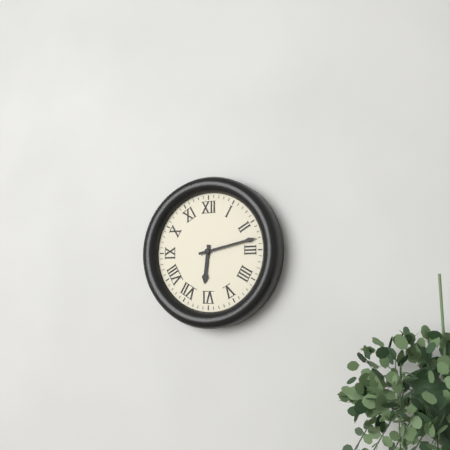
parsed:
6,13
